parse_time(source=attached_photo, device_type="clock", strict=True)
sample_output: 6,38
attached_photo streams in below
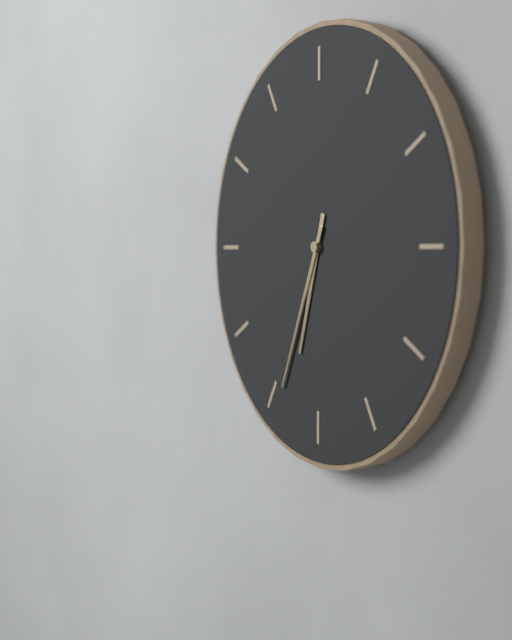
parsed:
6,34
